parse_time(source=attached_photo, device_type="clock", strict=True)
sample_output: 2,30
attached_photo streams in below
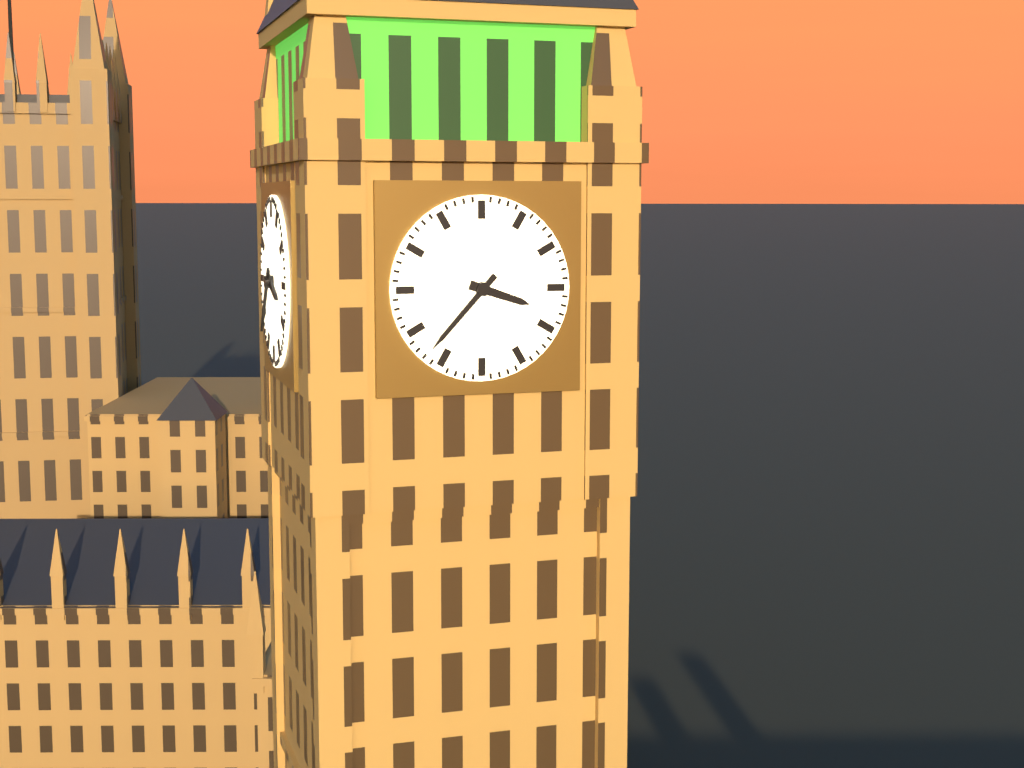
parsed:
3,37
